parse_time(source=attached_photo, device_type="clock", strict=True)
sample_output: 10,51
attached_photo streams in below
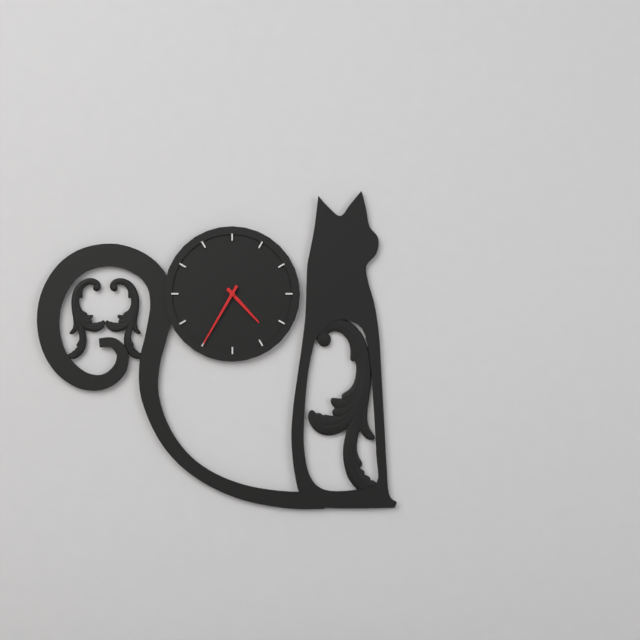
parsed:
4,35
